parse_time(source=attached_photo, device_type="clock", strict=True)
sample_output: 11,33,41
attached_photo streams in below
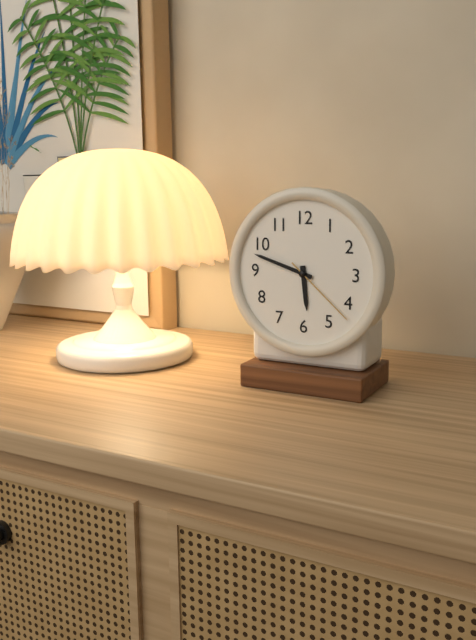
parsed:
5,48,22
